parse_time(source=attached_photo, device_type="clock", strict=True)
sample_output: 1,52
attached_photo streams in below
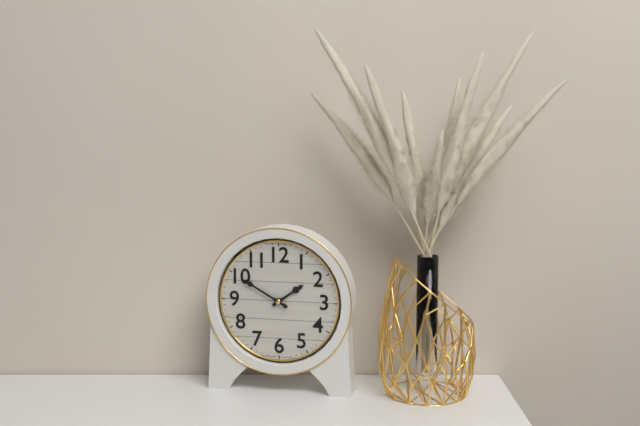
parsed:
1,50
